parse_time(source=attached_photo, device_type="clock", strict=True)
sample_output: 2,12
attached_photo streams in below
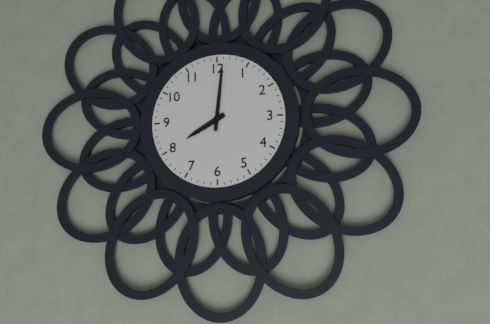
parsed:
8,01
